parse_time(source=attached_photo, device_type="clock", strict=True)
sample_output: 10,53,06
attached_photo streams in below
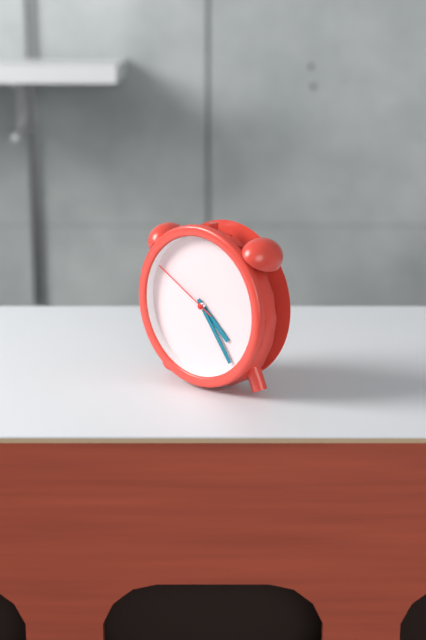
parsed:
4,24,50
